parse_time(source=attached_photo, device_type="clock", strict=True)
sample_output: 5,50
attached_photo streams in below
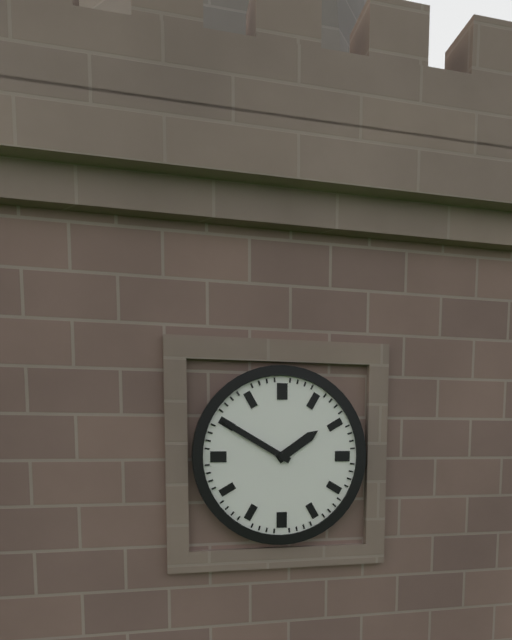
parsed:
1,50
